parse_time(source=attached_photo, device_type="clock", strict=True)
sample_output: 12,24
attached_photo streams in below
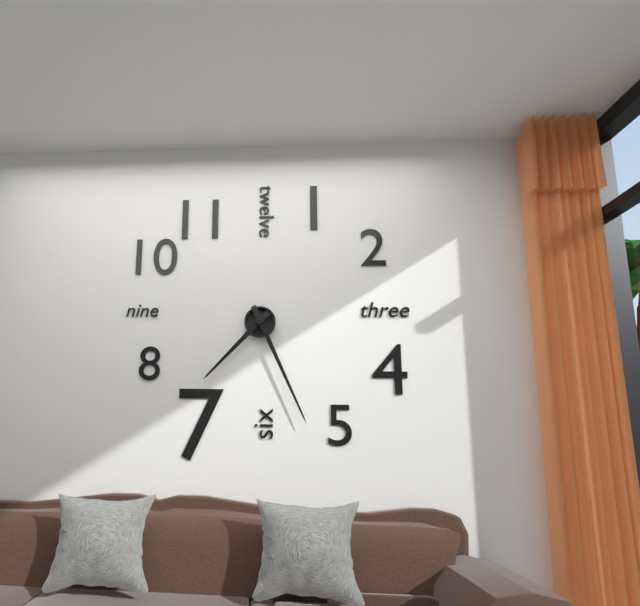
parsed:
7,26
